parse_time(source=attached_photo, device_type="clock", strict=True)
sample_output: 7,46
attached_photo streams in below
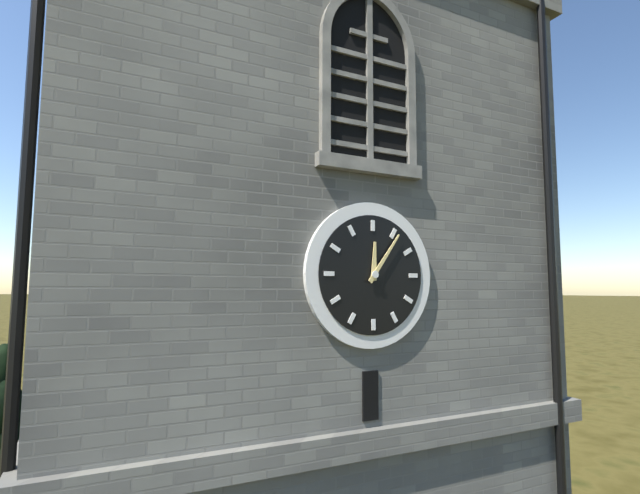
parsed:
12,06
